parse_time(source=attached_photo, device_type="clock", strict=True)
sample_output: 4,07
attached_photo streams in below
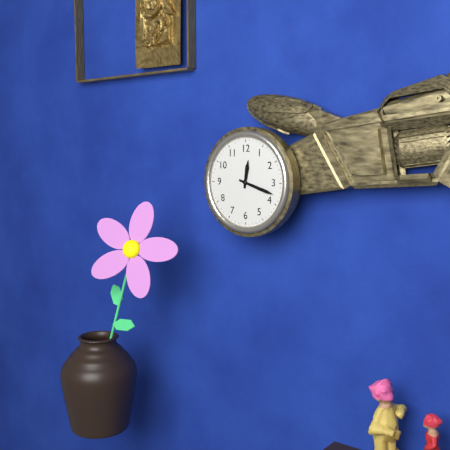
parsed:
12,18
